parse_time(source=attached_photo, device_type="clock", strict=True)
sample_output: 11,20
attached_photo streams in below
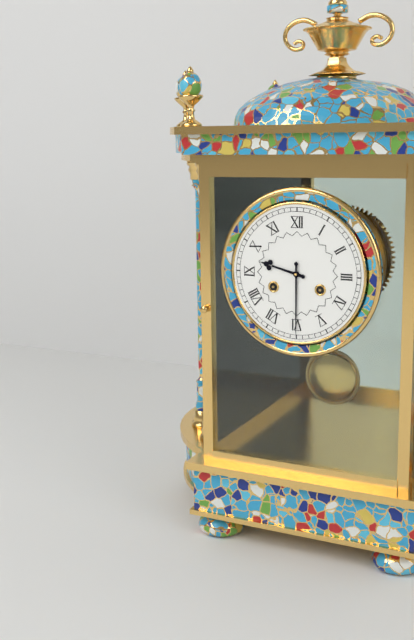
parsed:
9,30
